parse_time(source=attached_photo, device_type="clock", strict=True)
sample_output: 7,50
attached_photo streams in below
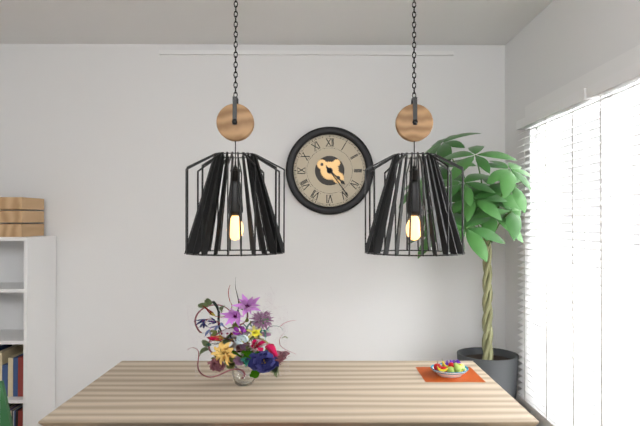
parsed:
4,24
